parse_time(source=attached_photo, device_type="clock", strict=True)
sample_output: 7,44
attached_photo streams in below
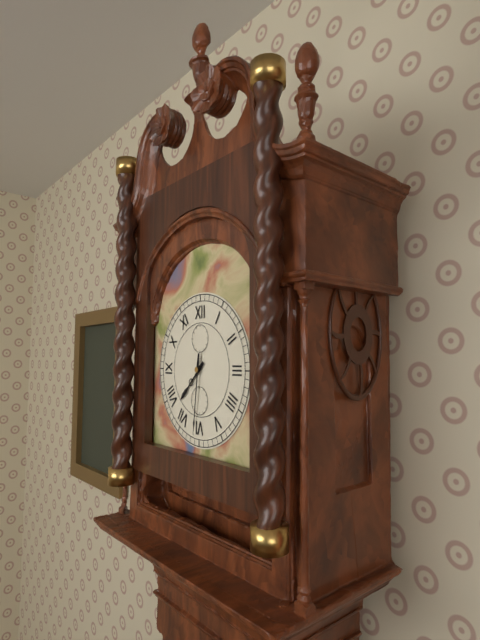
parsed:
7,31
